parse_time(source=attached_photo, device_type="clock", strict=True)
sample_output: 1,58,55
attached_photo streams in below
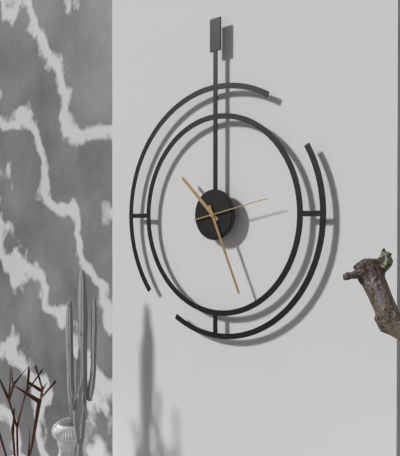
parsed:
10,26,13
